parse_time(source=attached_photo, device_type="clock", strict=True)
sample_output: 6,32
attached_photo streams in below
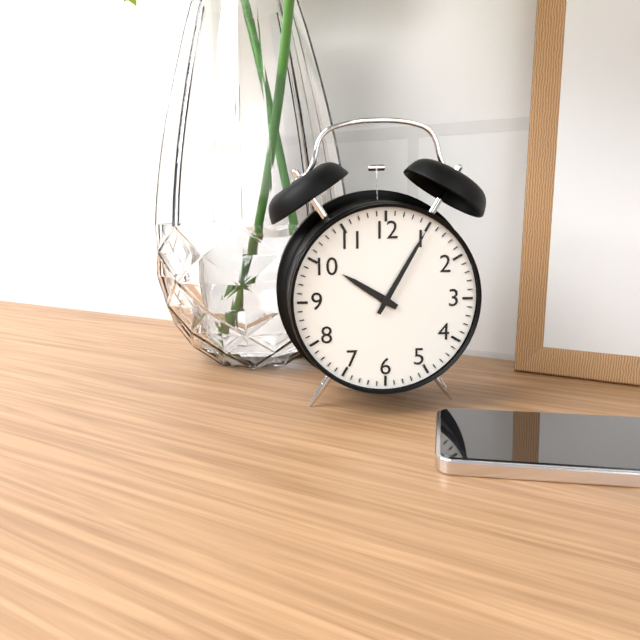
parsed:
10,05
